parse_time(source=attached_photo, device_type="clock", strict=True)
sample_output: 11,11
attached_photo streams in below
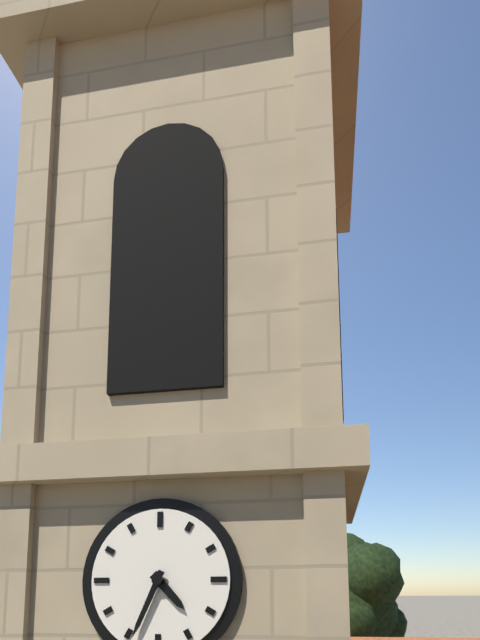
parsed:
4,34
